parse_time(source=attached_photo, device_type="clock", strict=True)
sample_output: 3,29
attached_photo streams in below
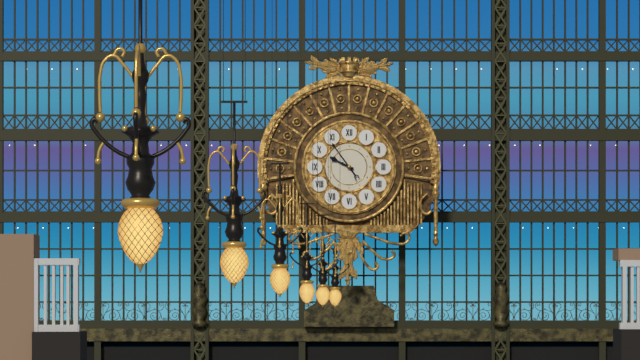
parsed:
9,54
